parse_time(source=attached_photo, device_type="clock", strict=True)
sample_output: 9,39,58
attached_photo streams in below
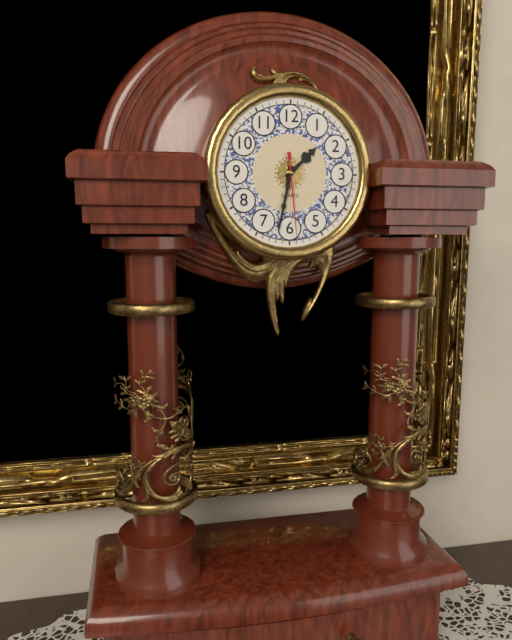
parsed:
1,32,29
